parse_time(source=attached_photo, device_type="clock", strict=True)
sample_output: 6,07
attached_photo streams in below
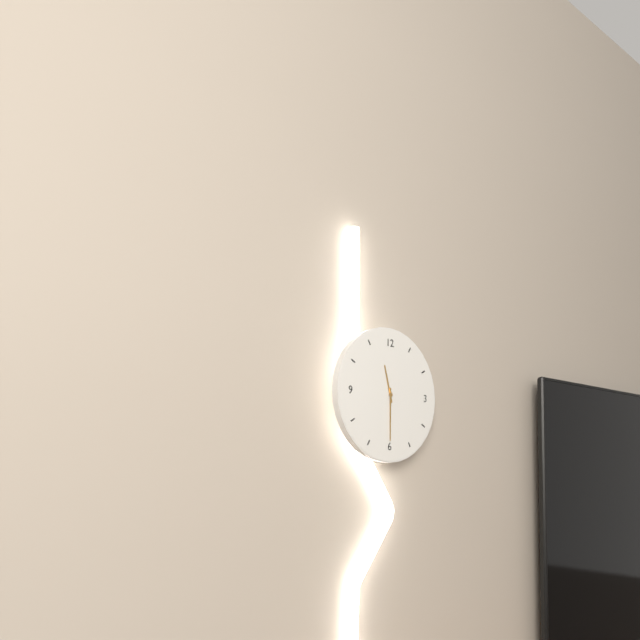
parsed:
11,30
